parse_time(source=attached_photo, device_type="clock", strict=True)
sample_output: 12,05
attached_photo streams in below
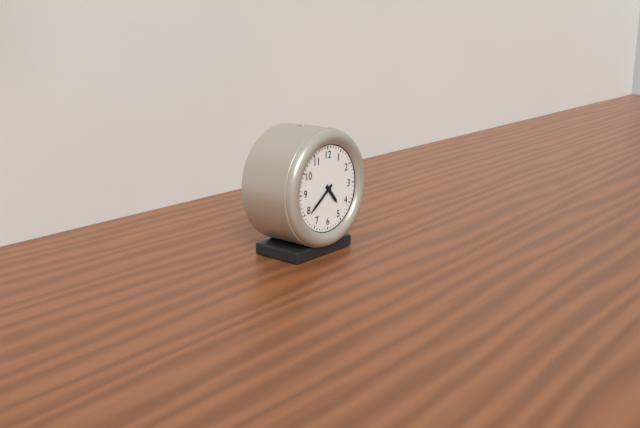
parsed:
4,39
